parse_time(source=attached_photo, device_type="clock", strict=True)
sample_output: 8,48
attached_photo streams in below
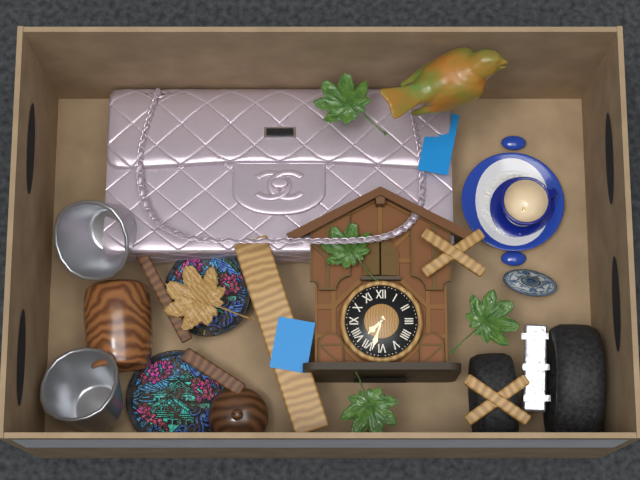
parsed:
7,33
